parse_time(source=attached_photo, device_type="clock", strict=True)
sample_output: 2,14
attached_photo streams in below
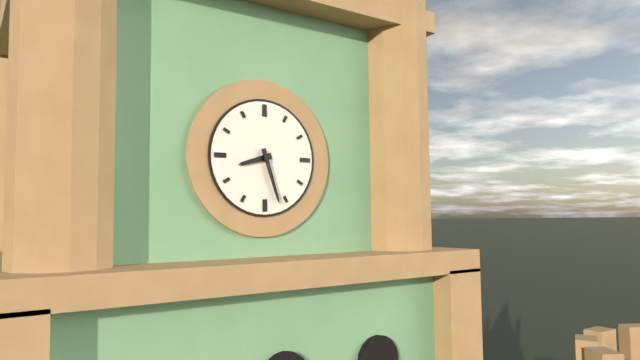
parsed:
8,27
